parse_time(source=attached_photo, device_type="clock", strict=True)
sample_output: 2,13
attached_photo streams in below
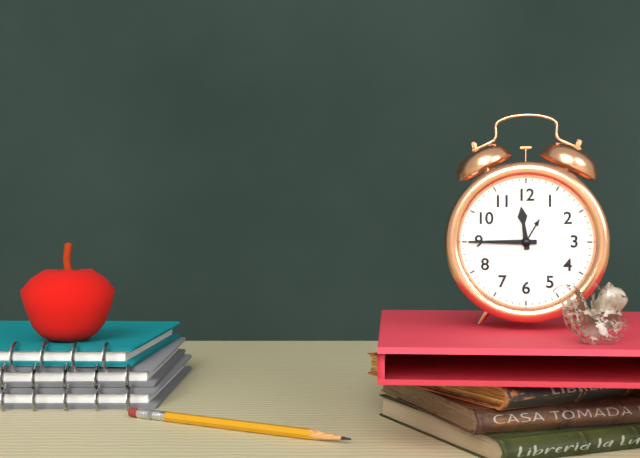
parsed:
11,45
